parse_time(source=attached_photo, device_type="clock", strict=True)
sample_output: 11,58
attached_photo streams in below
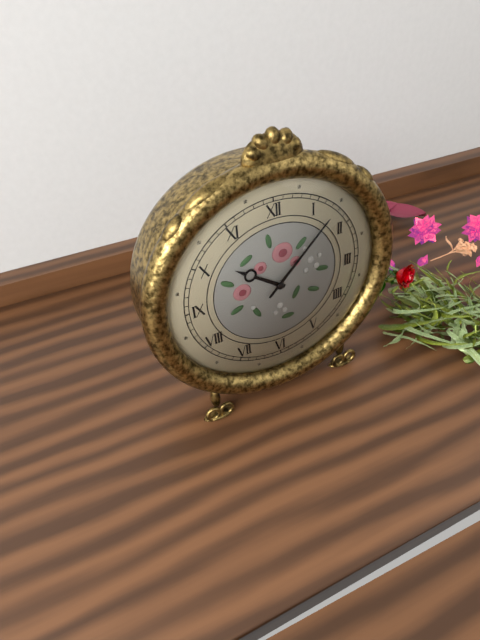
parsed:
10,08
